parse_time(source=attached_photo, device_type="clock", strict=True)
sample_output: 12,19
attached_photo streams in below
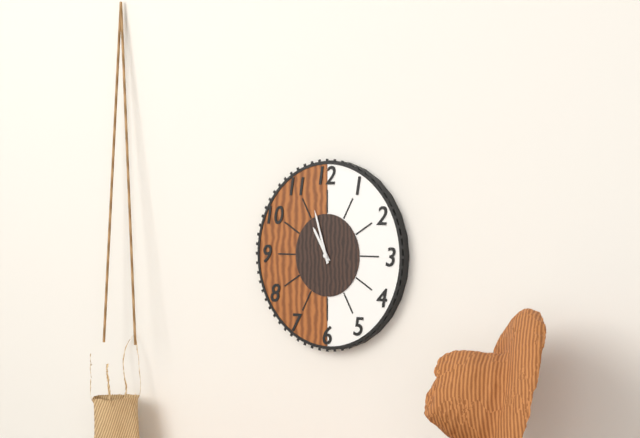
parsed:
10,57
